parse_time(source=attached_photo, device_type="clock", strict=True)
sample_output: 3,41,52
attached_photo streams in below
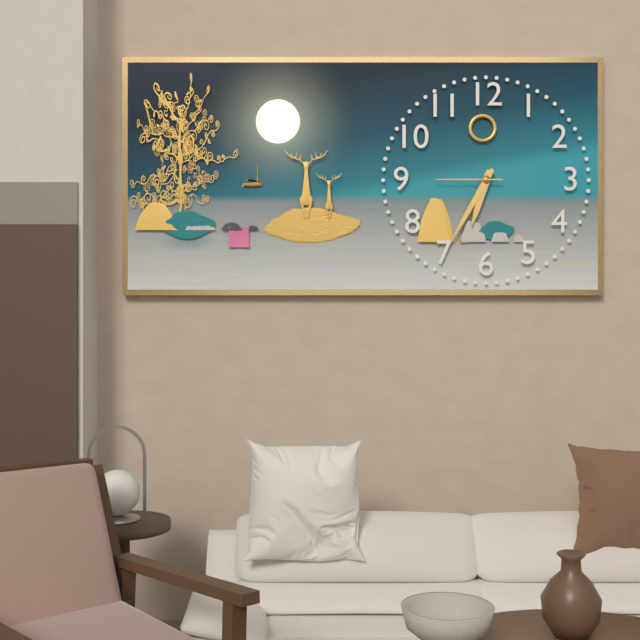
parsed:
6,35,45
